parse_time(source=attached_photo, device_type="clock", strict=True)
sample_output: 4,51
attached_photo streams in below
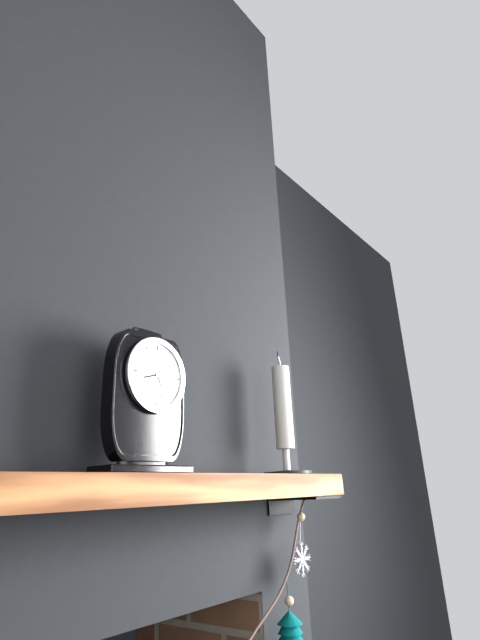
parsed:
8,26
